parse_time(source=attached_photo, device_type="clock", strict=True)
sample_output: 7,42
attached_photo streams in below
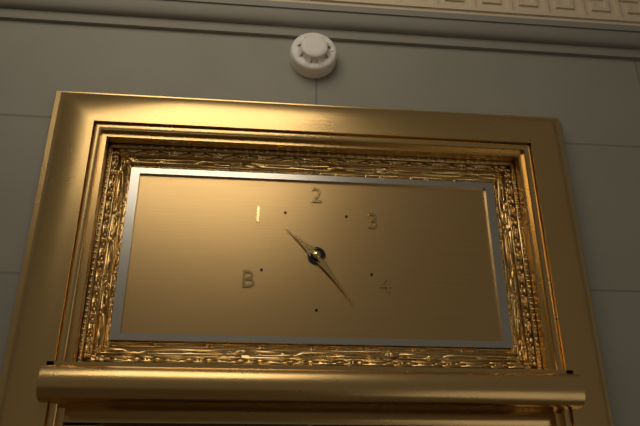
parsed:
10,24
